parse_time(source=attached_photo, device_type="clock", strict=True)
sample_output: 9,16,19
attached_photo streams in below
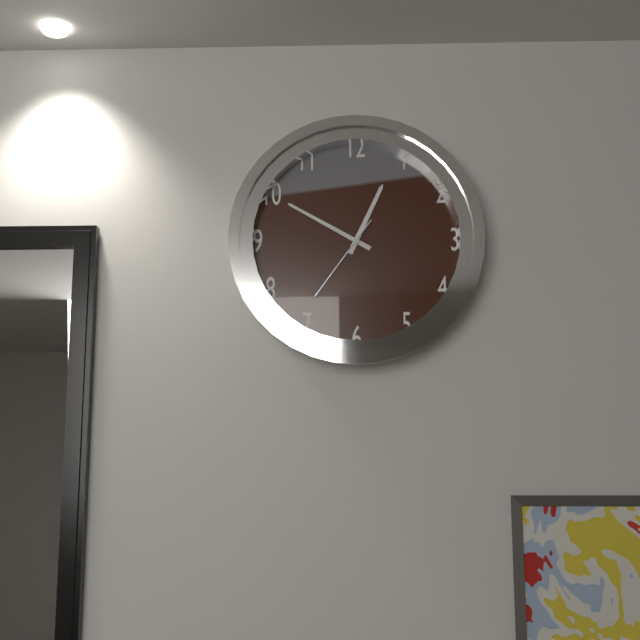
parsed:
12,50,36
